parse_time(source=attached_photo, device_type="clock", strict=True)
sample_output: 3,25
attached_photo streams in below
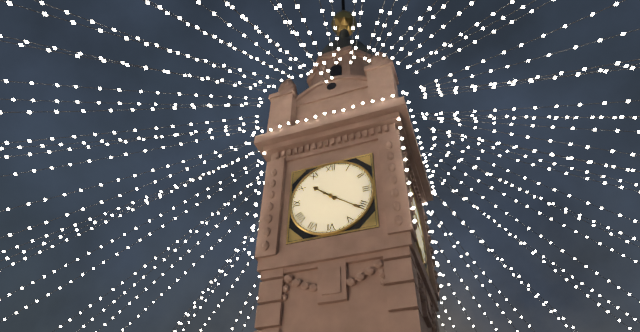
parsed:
10,21
